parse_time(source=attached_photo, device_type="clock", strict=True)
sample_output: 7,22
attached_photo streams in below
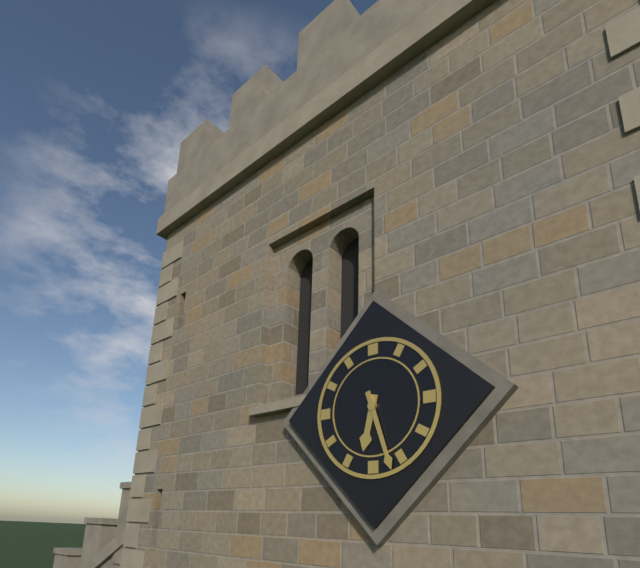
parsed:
6,27
